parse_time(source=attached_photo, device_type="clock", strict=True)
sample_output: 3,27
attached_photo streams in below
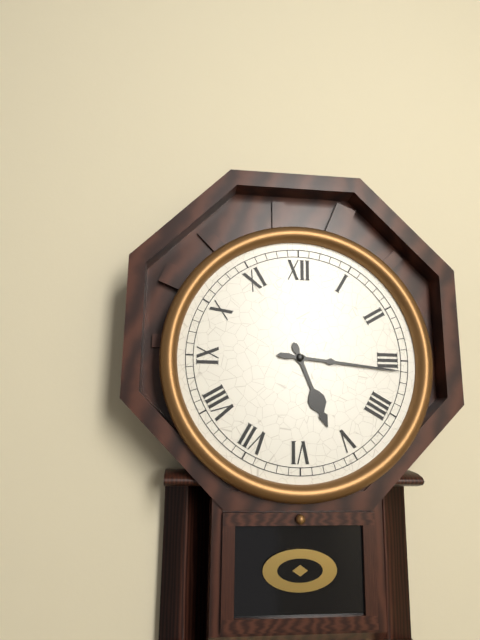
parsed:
5,16
